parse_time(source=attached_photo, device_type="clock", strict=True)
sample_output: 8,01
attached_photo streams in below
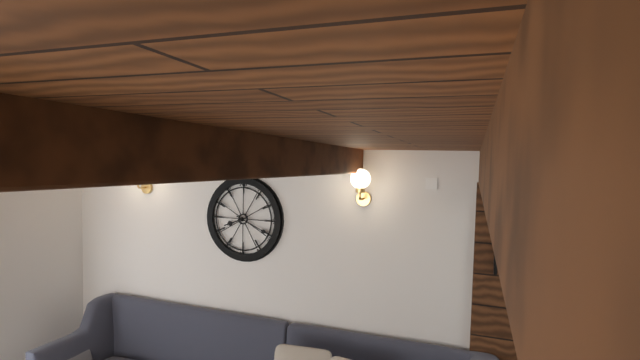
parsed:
8,19
